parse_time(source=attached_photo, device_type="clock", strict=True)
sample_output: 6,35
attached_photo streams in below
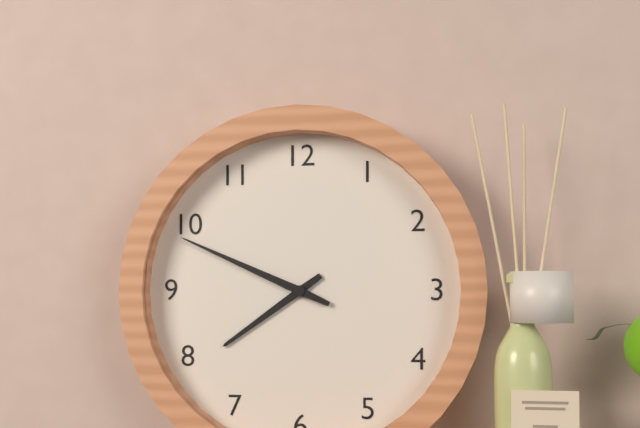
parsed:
7,49
